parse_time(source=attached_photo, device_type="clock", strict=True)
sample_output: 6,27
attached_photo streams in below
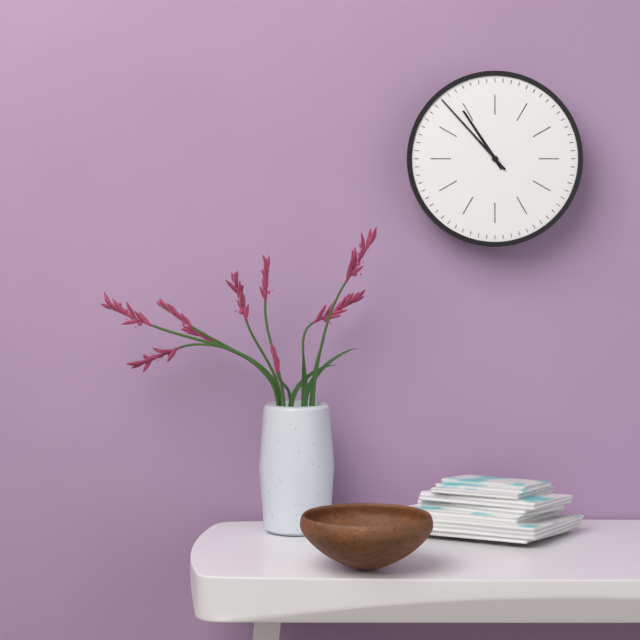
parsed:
10,53
